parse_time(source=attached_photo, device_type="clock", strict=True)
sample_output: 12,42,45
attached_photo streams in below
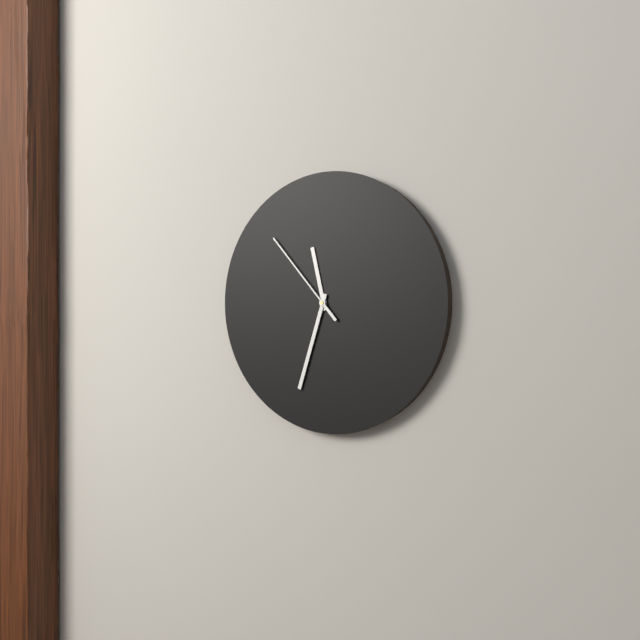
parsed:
11,33,53
